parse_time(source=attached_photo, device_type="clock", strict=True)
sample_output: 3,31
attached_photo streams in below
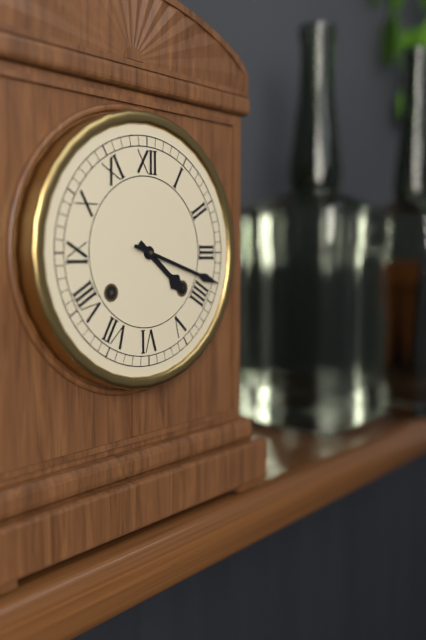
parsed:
4,18
